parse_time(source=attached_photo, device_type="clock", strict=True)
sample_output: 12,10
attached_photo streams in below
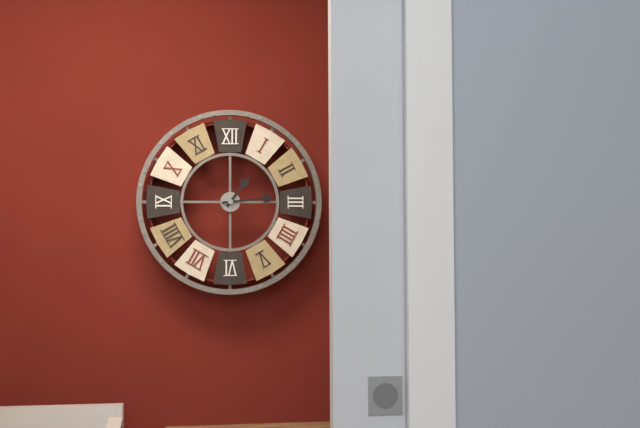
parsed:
1,14
